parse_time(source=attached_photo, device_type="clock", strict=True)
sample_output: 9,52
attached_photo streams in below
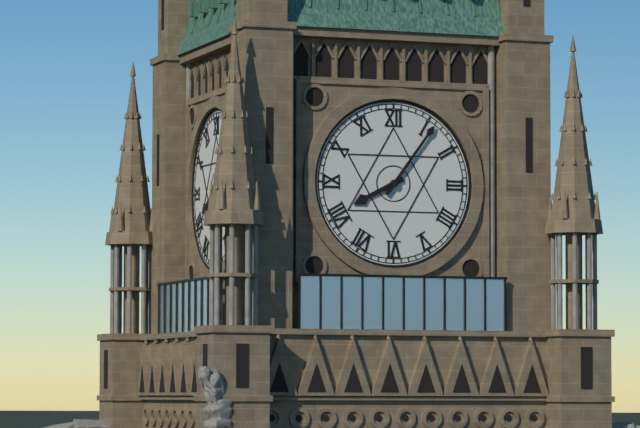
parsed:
8,06
